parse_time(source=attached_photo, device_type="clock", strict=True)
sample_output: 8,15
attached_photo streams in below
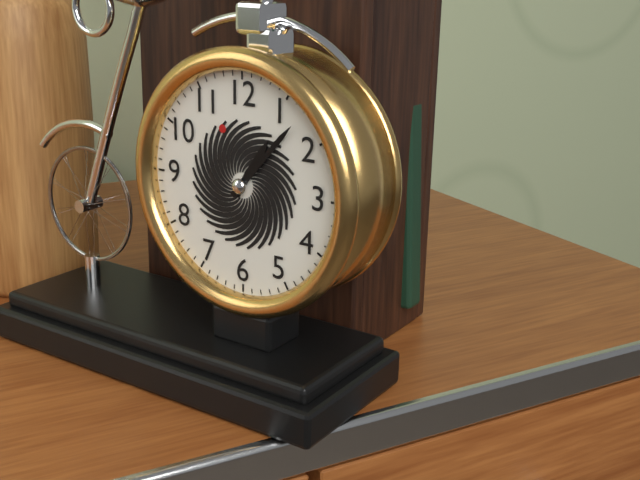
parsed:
1,07
